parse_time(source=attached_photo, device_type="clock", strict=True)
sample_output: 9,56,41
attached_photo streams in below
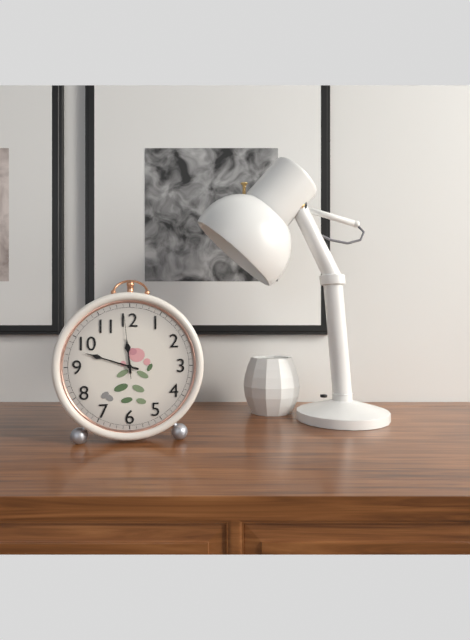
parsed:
11,48,59
